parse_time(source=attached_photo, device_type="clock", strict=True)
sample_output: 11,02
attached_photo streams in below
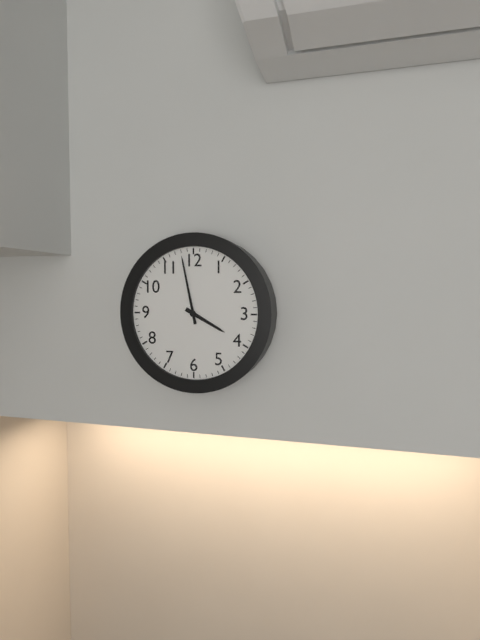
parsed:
3,58
